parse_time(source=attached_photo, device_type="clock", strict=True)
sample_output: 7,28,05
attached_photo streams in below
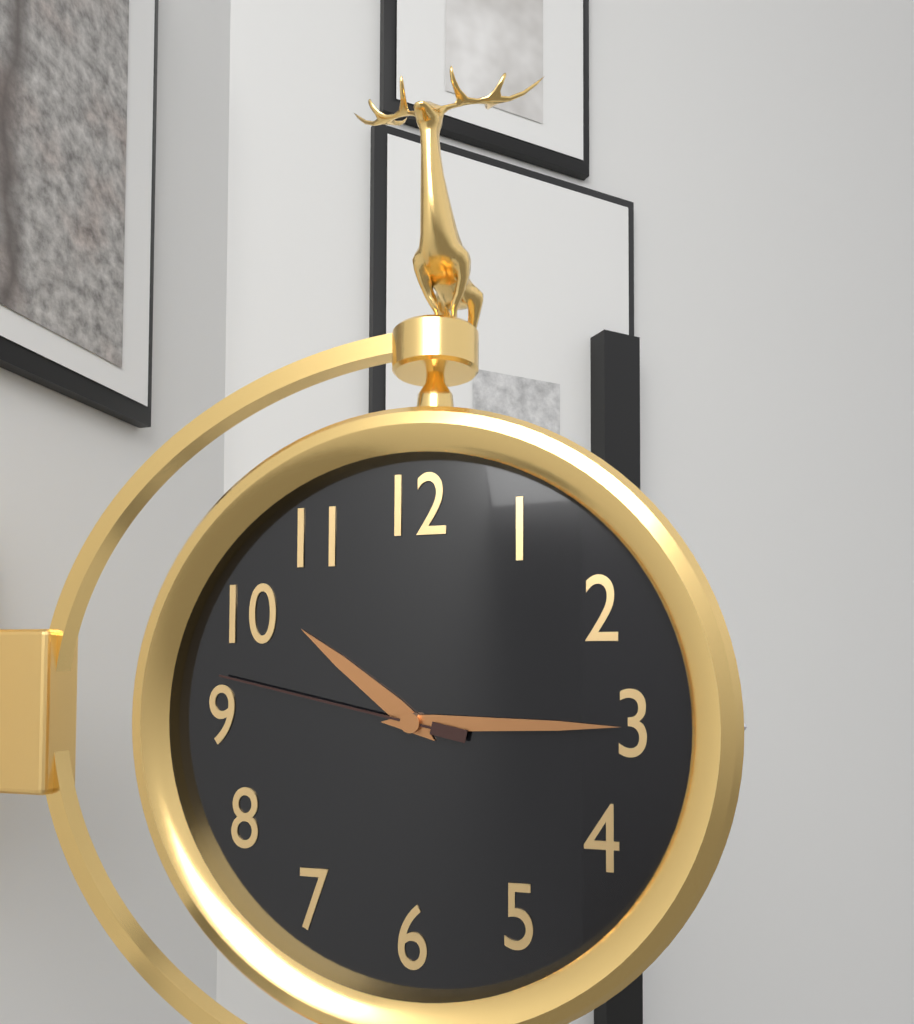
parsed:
10,15,47
